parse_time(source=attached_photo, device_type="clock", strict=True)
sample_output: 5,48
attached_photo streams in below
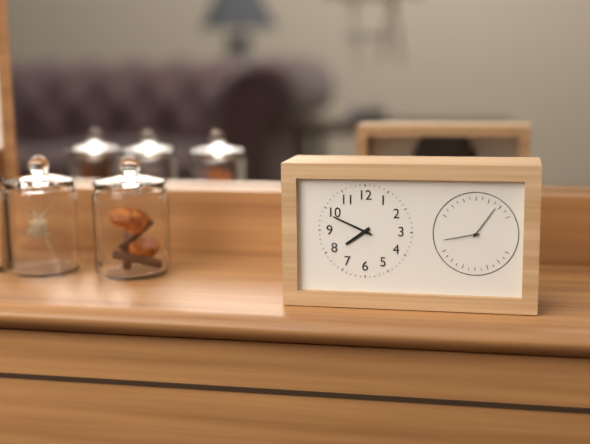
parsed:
7,49
